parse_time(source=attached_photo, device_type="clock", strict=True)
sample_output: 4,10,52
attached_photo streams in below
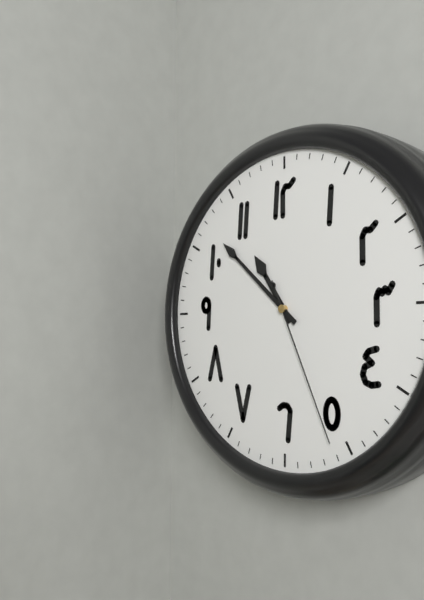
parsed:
10,52,26
